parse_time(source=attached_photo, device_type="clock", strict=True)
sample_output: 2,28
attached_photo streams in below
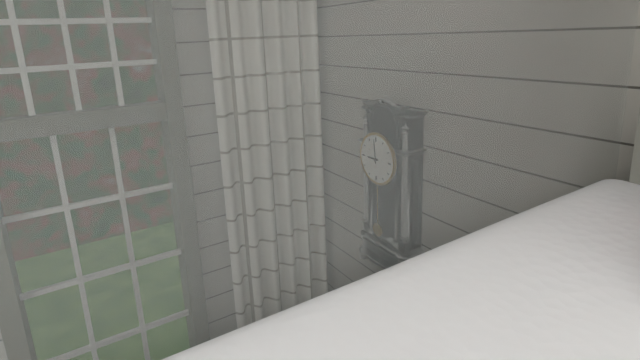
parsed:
8,59
